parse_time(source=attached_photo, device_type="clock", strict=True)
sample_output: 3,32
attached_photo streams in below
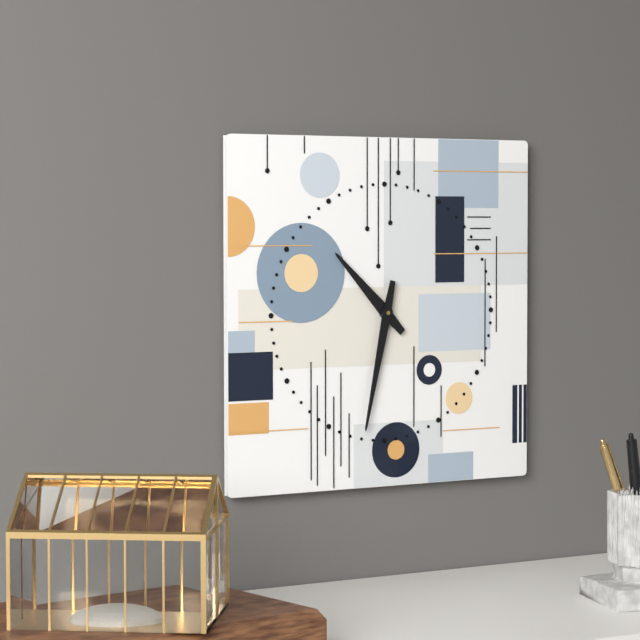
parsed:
10,32
